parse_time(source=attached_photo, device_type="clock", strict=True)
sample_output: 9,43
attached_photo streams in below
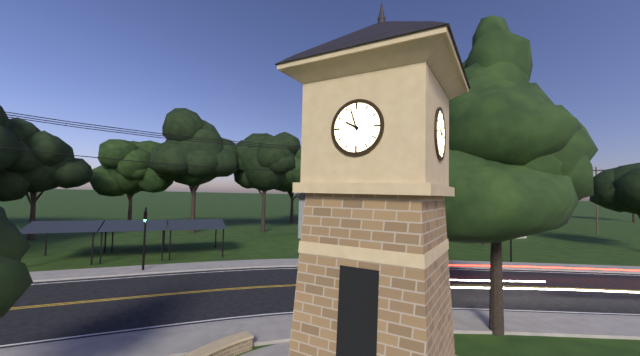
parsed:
9,57
